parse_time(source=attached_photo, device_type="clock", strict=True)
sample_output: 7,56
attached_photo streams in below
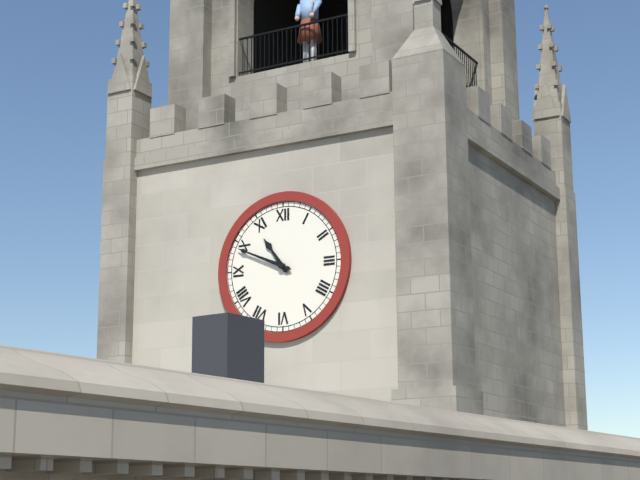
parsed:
10,49
